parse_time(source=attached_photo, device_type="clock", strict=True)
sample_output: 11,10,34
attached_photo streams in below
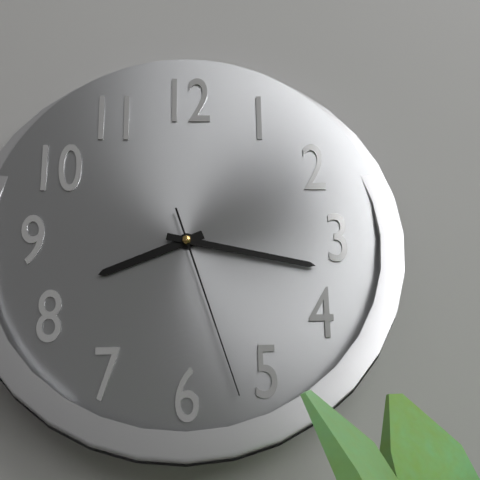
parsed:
8,17,27
